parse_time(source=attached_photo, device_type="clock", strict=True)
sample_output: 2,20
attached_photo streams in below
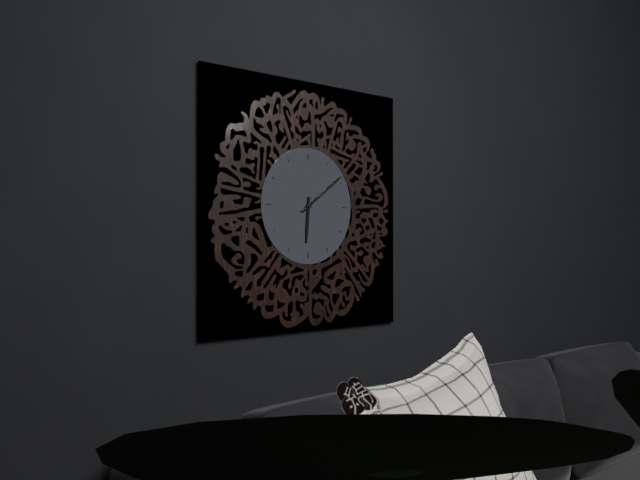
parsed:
6,09
